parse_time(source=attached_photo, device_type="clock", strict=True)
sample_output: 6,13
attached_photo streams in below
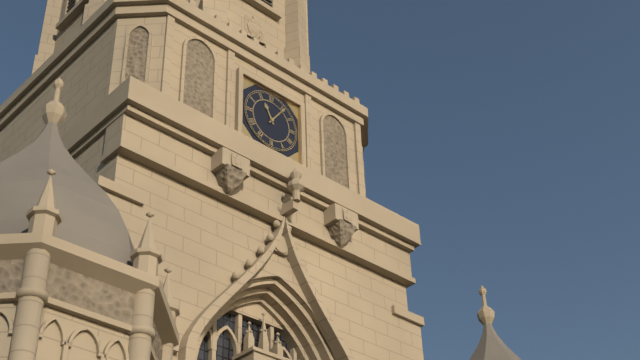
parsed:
11,06
